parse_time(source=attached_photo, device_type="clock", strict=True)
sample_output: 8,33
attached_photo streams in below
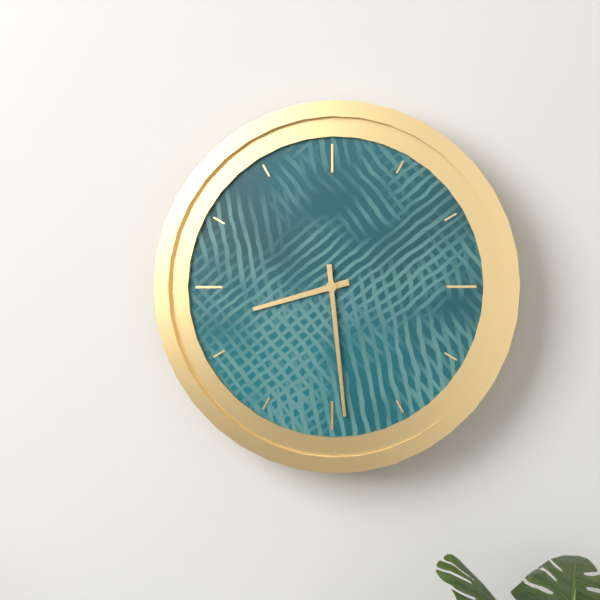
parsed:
8,29
